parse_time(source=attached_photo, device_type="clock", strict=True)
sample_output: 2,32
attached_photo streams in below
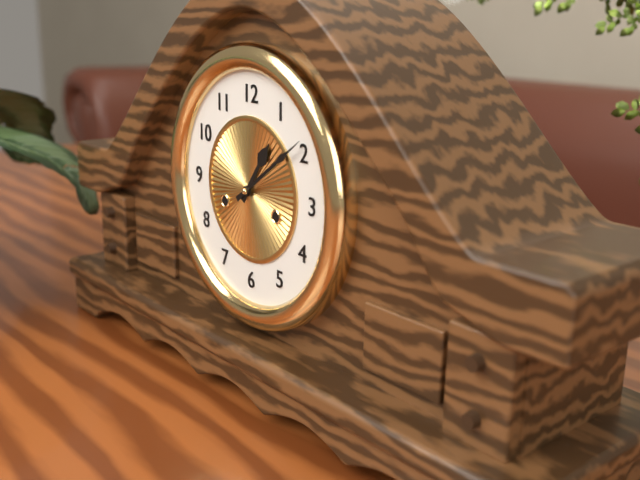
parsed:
1,09
